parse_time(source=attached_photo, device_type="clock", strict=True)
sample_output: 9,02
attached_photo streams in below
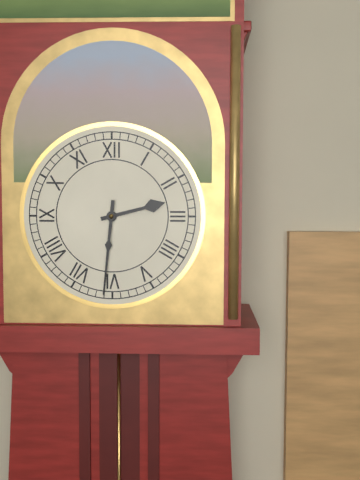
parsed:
2,31
